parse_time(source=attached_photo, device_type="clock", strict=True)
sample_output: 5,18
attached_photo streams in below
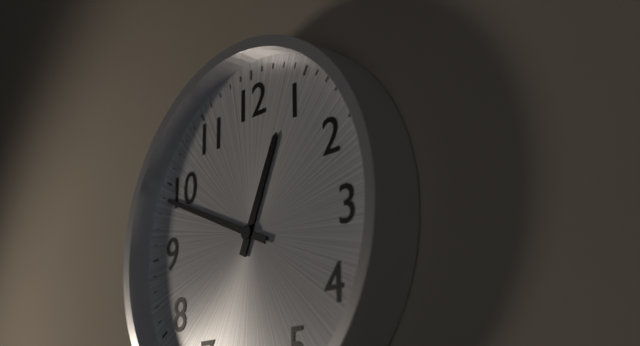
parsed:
12,49
